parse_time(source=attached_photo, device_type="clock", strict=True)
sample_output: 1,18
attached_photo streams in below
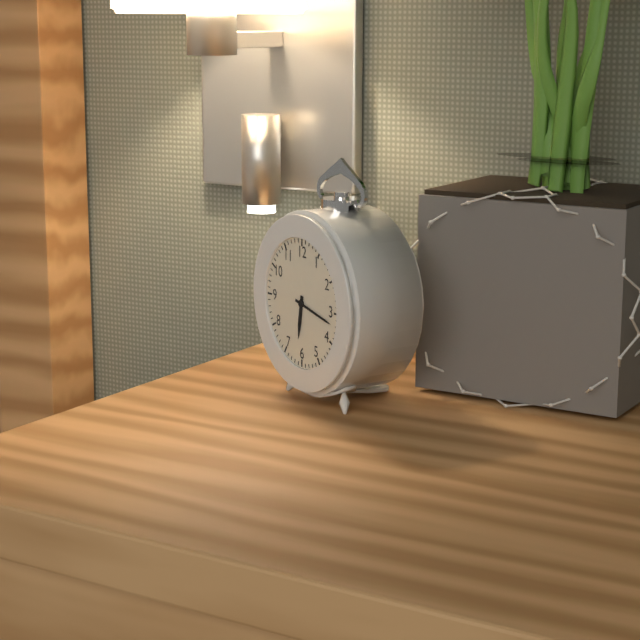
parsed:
6,17
